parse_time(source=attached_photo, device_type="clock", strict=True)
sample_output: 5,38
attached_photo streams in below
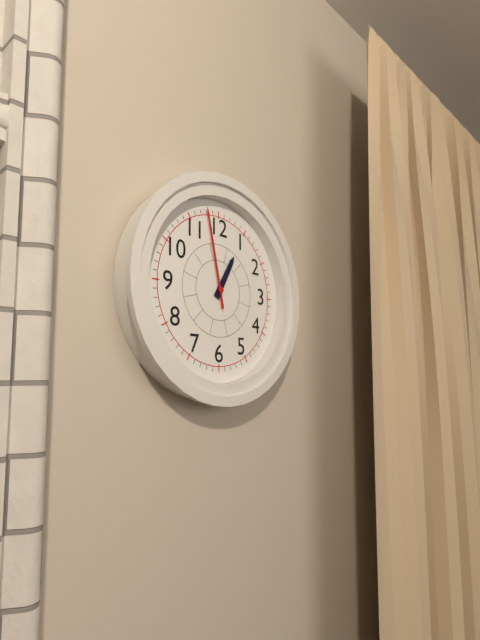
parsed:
12,58
